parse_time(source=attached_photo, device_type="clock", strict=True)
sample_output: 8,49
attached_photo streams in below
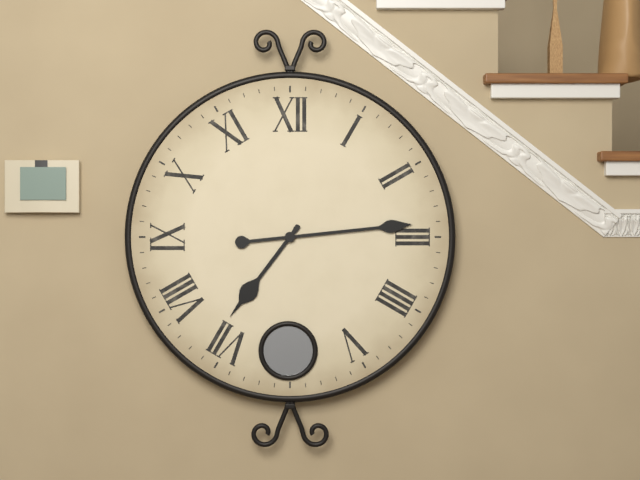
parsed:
7,14
